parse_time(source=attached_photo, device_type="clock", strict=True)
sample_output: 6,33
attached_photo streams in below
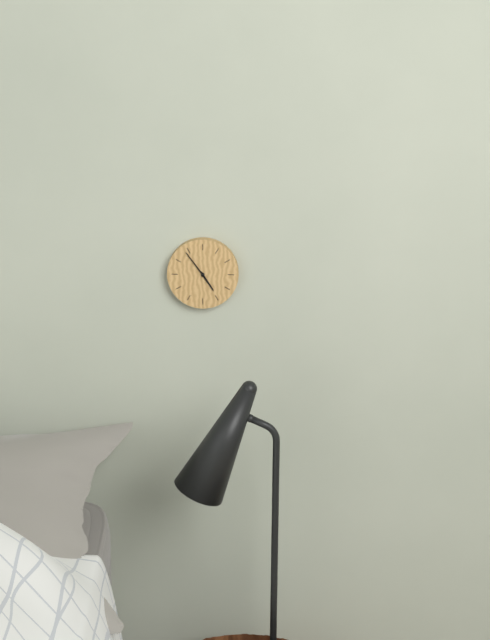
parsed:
4,54
